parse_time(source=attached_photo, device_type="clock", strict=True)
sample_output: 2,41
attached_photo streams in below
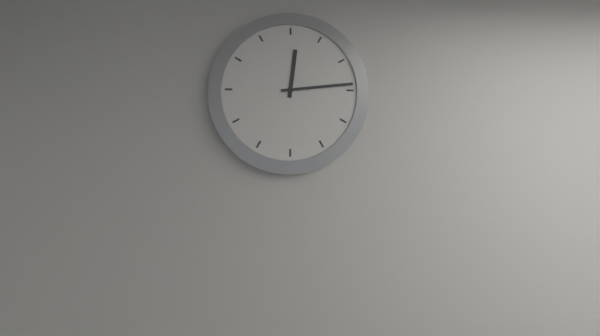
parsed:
12,14
